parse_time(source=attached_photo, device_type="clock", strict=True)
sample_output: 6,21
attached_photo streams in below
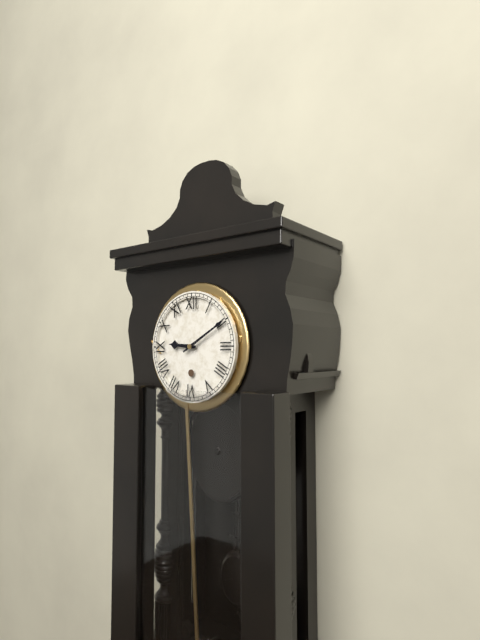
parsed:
9,10
